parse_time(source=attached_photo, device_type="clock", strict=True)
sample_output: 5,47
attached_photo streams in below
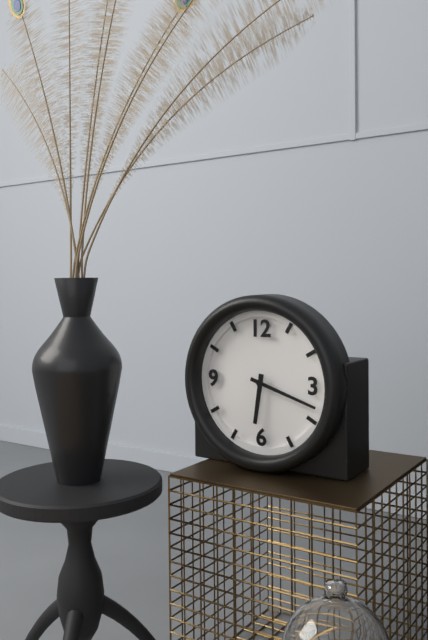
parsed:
6,18
